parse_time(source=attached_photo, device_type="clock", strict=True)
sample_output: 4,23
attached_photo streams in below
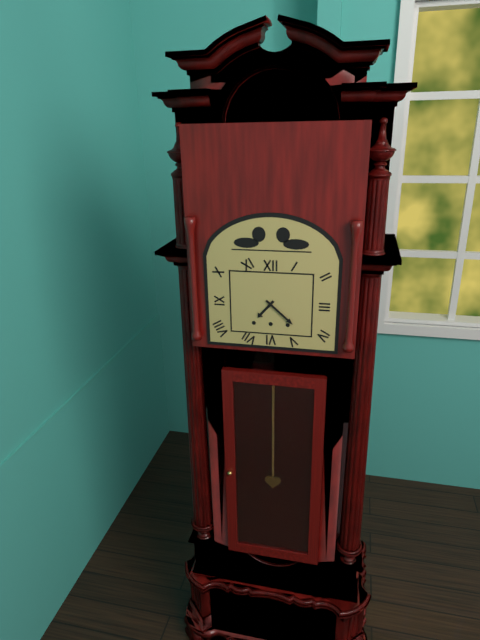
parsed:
7,22
